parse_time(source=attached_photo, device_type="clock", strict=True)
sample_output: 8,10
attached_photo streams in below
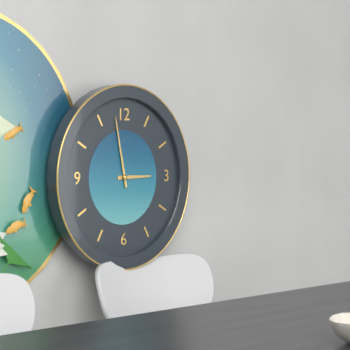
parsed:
2,58
